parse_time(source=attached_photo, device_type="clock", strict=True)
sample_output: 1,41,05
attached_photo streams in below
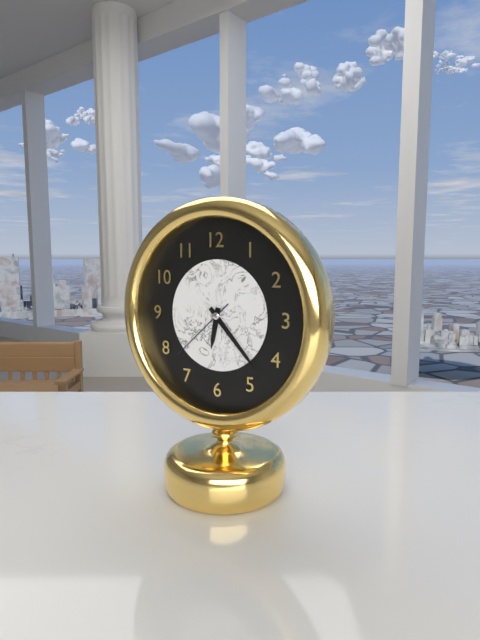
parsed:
6,23,38
